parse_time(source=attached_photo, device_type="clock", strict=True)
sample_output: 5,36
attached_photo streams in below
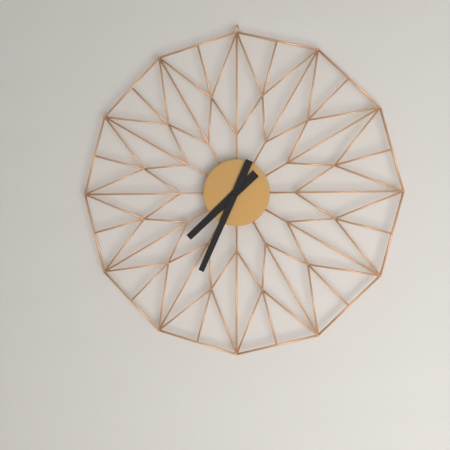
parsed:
7,34
